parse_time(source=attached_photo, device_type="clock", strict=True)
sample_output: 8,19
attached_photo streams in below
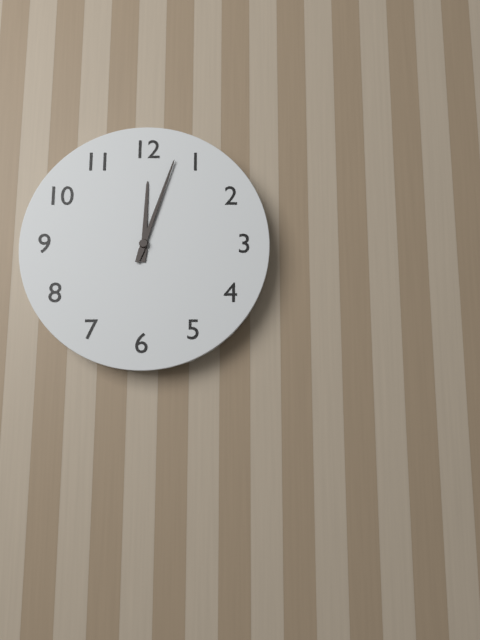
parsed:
12,03
